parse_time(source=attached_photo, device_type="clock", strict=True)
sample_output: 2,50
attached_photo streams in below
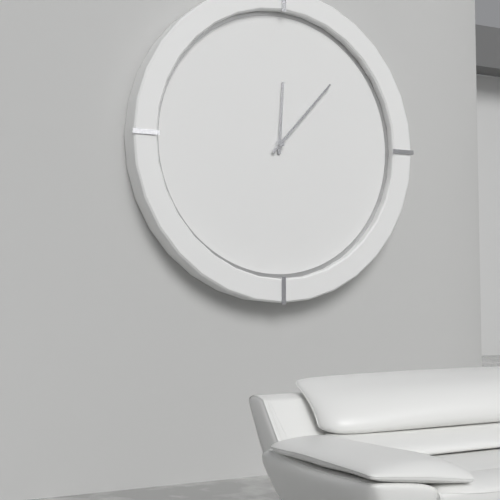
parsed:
12,07
